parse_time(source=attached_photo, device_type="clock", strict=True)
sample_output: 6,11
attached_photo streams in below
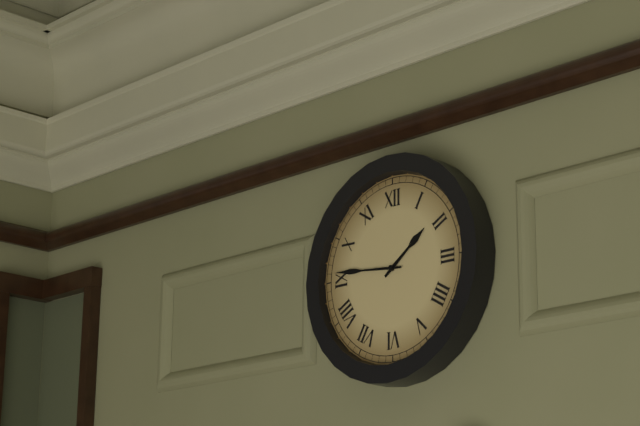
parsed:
1,46
